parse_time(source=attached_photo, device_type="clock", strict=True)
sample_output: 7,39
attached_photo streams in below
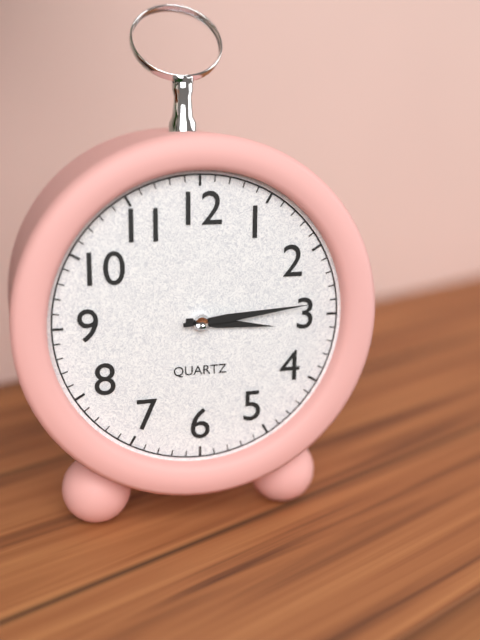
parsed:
3,14
